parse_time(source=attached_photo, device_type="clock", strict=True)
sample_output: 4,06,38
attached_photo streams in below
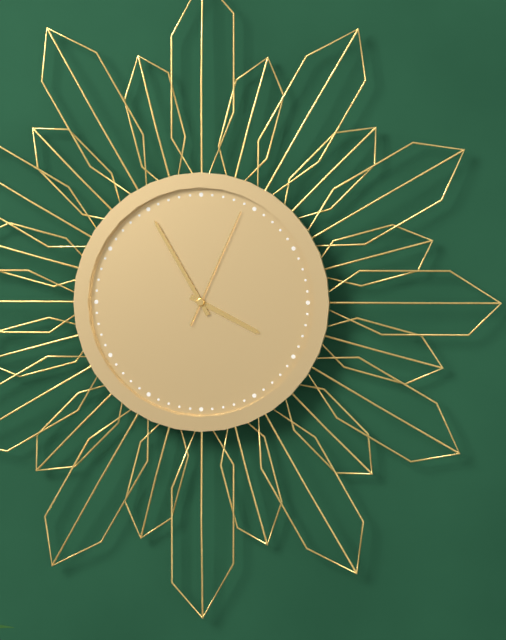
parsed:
3,55,04
